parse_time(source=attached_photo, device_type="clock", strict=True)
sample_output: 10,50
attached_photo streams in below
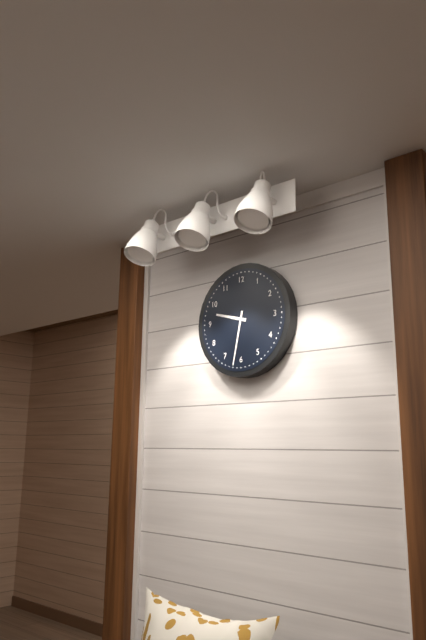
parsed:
9,32
